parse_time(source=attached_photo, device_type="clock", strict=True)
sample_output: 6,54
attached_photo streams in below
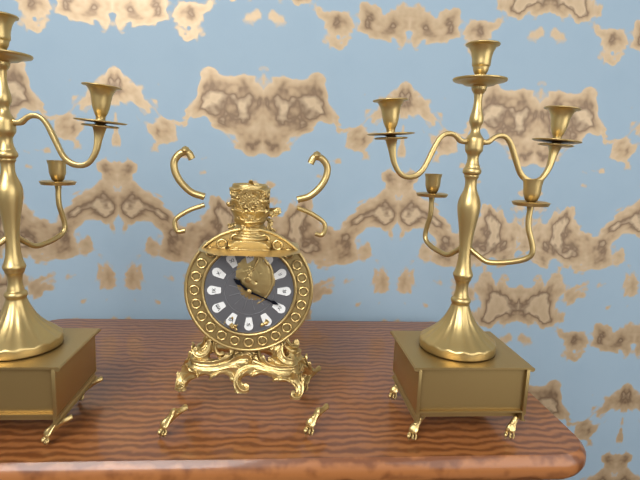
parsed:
10,19
